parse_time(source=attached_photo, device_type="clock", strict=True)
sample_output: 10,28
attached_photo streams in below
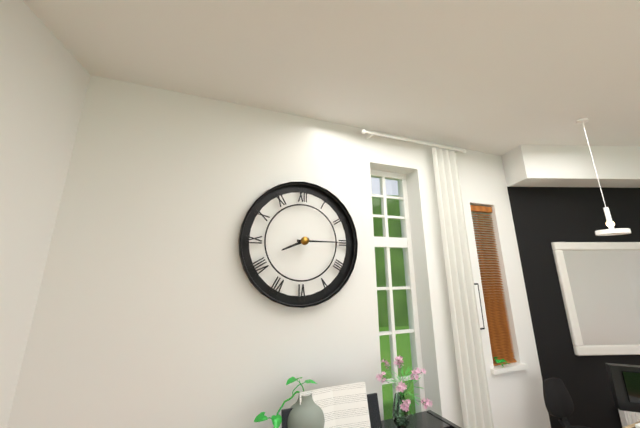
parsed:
8,15
